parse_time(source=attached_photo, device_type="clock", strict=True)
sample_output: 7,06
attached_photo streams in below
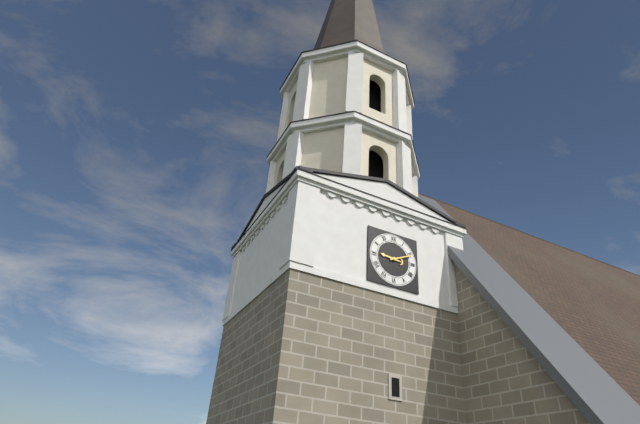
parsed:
9,11
